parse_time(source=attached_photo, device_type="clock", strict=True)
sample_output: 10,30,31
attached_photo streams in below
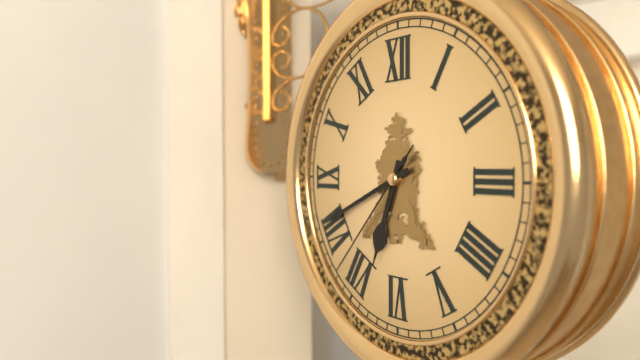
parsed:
6,41,37
